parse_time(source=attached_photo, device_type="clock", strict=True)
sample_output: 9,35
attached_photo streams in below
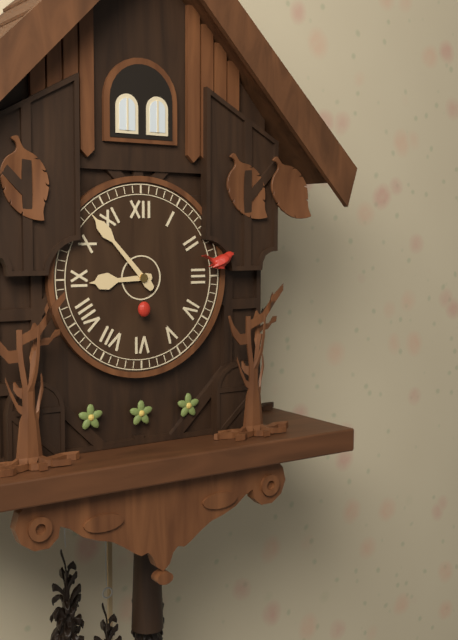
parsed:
8,53
